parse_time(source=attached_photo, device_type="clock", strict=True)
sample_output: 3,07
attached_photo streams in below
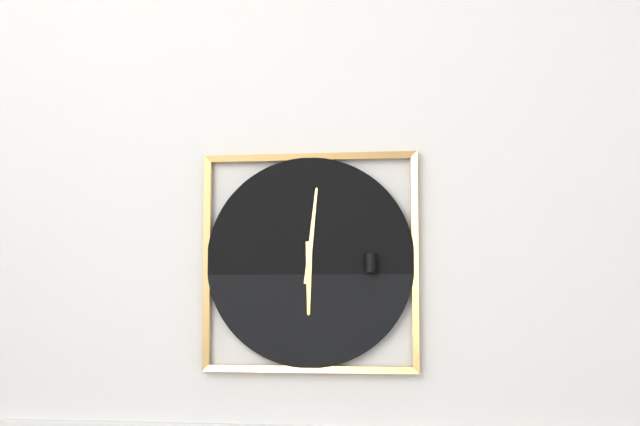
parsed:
6,01
